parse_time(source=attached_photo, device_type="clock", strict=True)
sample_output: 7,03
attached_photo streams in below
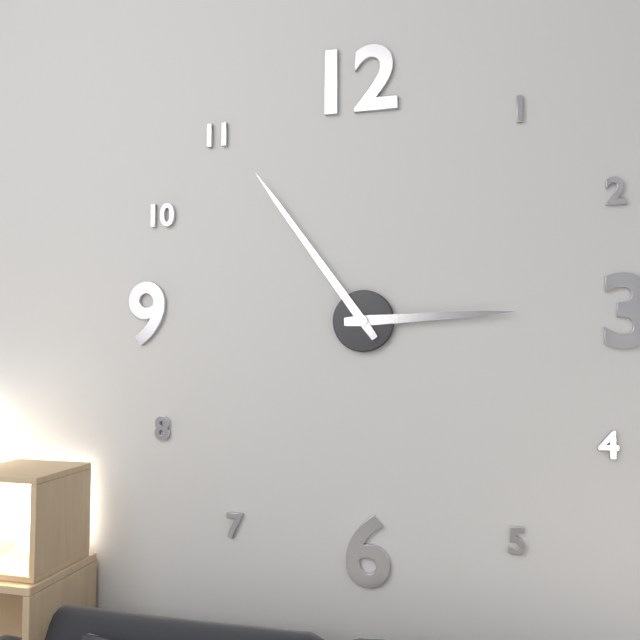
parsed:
2,54
